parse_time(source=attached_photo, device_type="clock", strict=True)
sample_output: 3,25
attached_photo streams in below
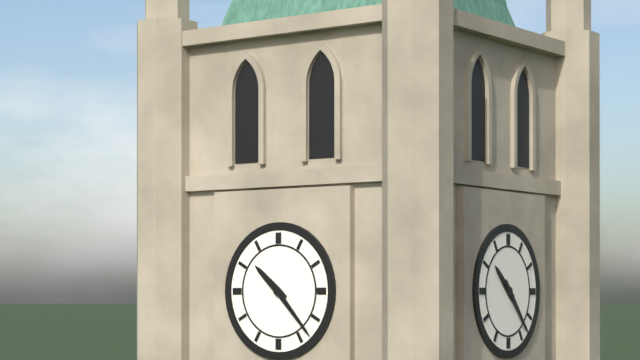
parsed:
10,23
